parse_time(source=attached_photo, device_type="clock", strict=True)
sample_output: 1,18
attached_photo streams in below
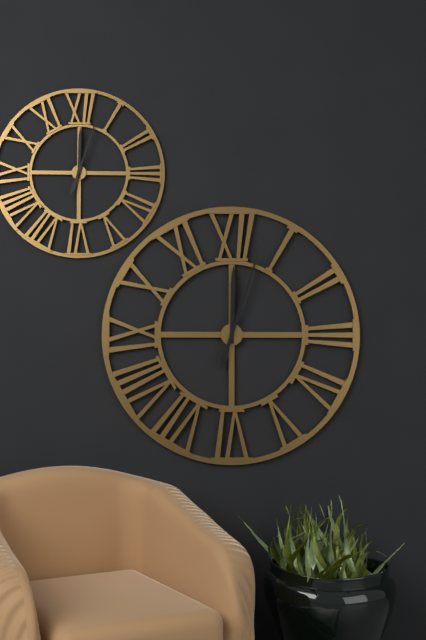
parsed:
12,03
